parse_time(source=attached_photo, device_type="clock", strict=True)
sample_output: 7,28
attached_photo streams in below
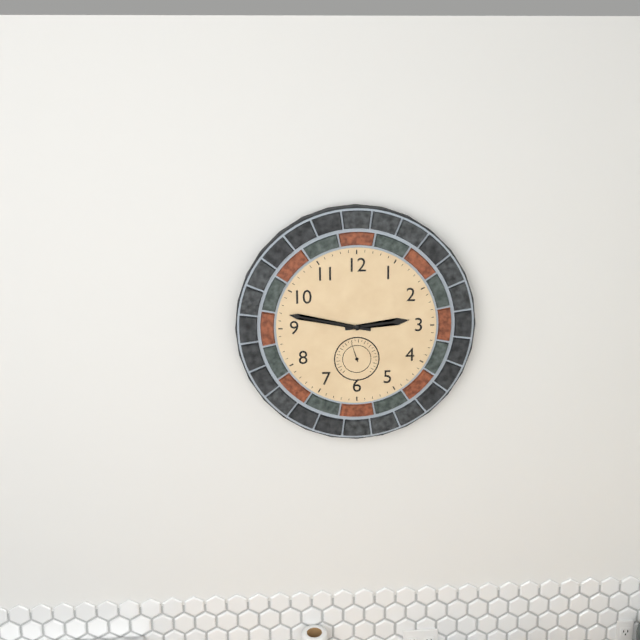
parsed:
2,47
